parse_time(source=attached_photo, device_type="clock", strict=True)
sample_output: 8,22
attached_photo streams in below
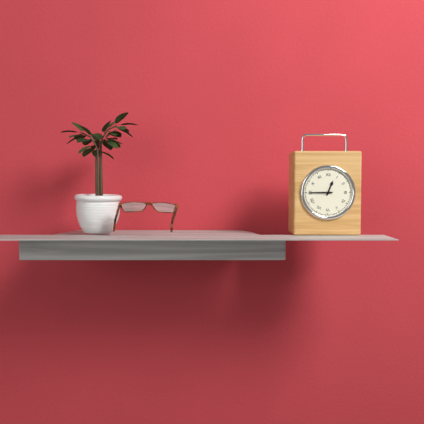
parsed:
12,45
